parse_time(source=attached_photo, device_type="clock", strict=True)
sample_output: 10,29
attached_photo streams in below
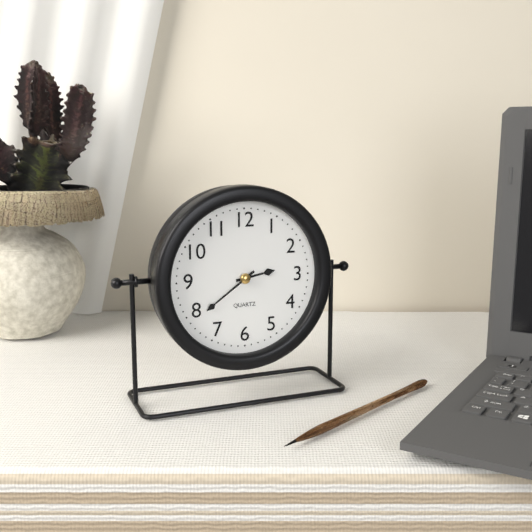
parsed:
2,39
